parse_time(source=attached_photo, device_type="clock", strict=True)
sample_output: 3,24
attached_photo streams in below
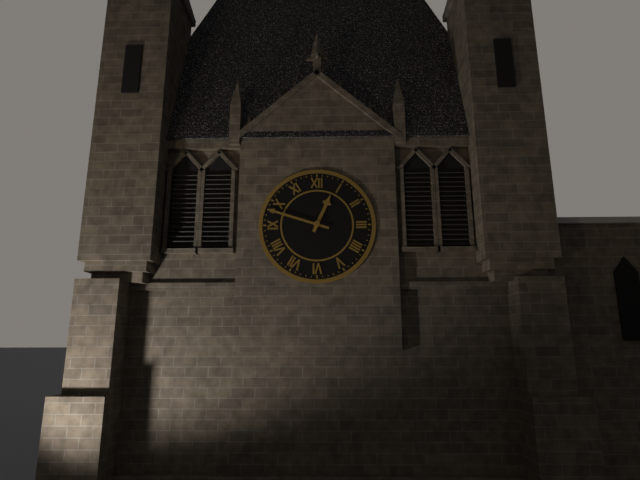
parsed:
12,48
